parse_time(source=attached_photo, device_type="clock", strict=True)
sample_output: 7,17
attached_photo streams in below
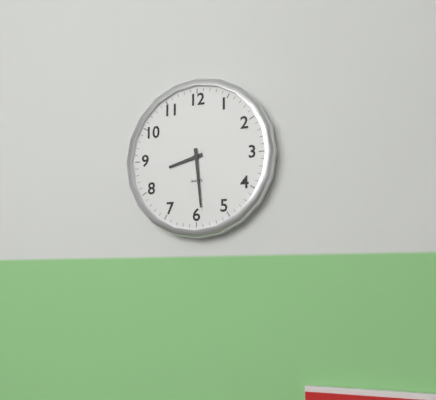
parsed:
8,29
